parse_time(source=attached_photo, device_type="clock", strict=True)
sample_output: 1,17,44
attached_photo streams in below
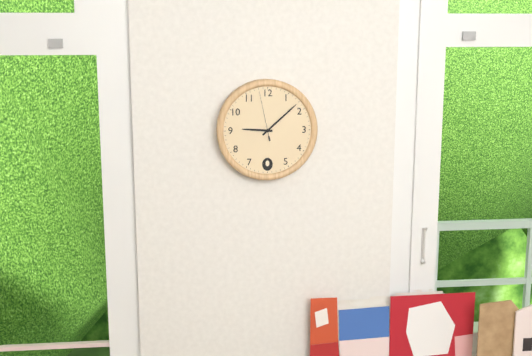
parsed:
9,08,58
